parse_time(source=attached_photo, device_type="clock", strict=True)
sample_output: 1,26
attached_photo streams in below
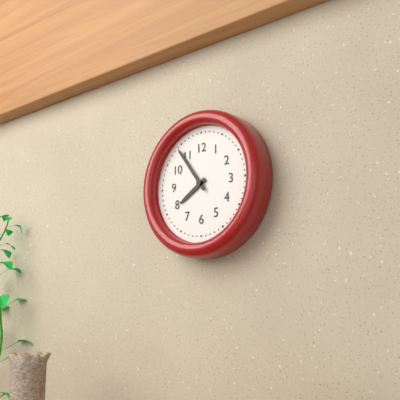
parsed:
7,54
